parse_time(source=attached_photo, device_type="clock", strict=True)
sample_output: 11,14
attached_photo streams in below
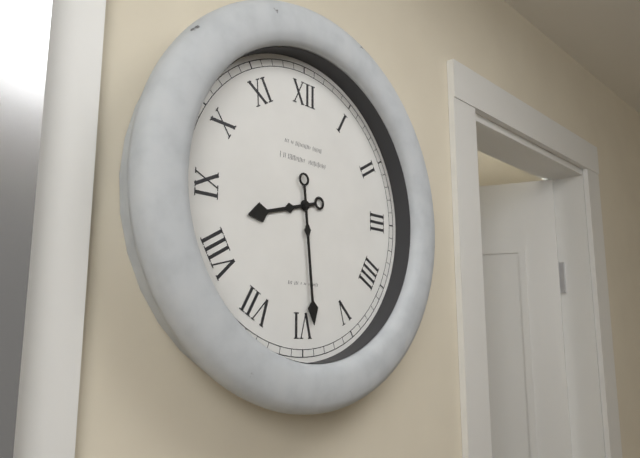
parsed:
8,29
